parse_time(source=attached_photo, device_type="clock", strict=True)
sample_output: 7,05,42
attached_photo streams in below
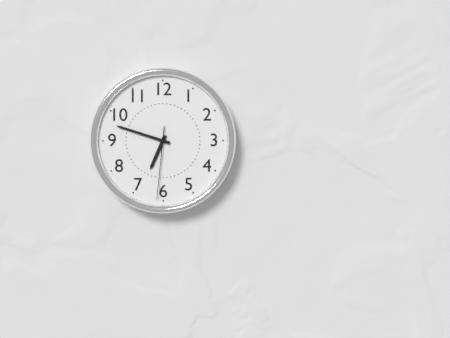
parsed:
6,48,31
